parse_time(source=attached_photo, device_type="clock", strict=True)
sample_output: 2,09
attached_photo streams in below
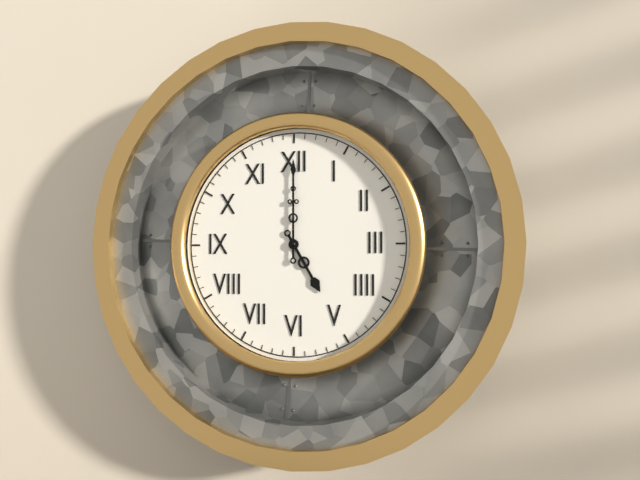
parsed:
5,00
